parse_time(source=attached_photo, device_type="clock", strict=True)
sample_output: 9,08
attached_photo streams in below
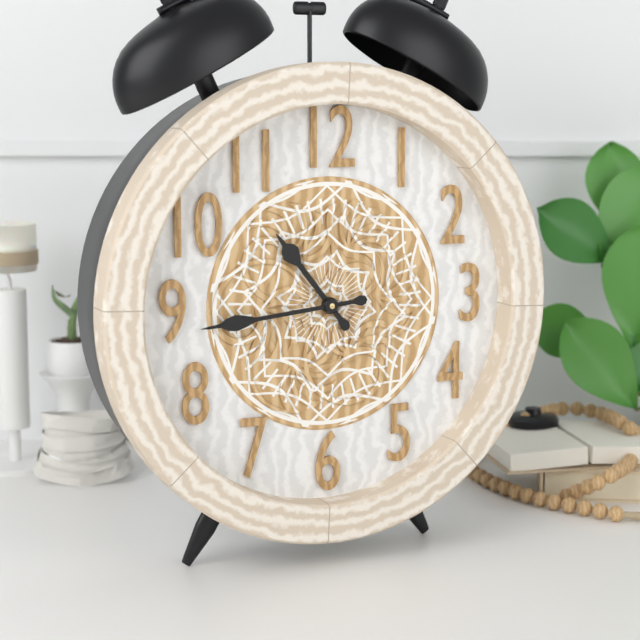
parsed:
10,44
